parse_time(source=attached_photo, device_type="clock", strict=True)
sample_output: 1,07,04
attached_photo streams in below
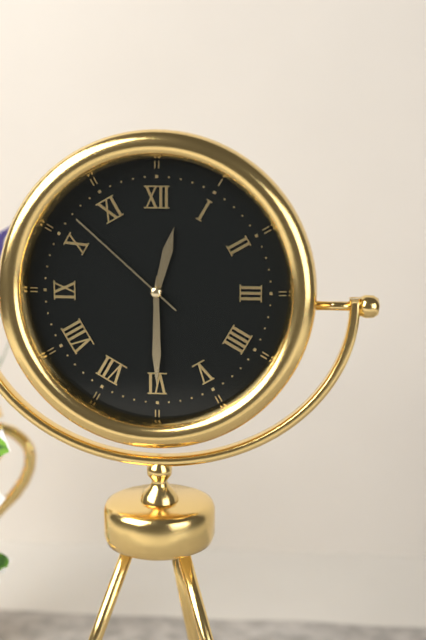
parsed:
12,30,52
